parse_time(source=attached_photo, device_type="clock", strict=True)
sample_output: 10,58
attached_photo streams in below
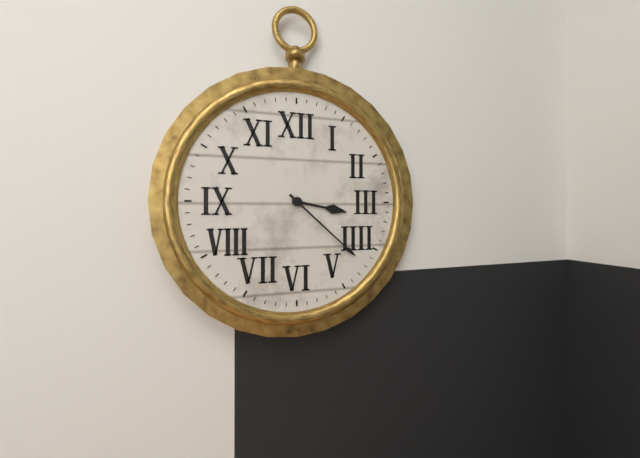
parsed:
3,22
